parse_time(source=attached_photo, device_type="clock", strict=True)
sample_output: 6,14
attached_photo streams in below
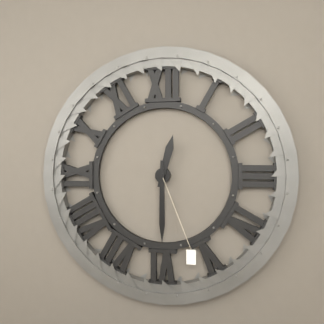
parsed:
12,30
